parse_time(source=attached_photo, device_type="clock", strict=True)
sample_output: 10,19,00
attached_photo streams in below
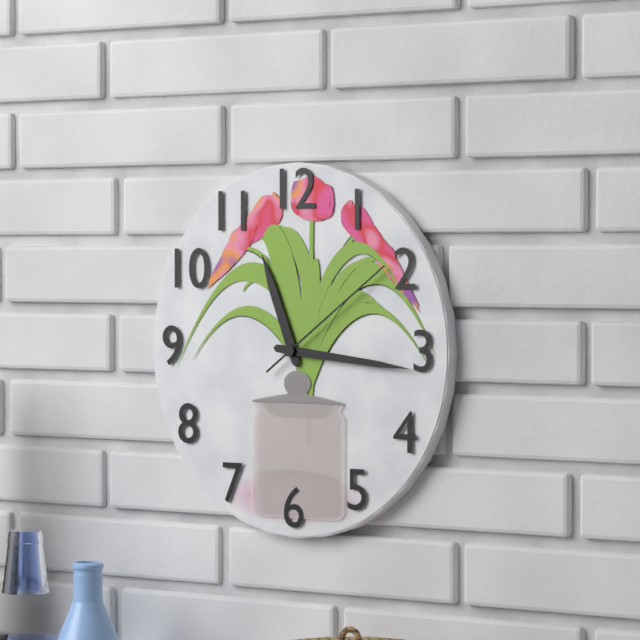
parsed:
11,16,09
